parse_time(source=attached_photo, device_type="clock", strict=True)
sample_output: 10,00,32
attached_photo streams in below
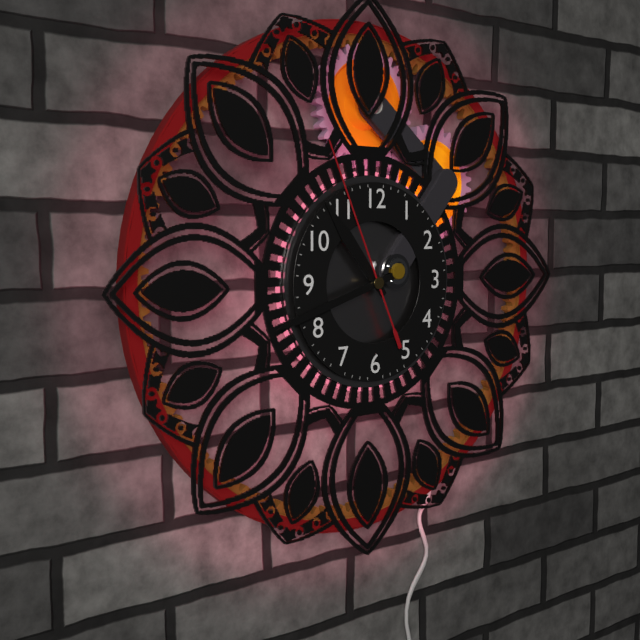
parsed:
10,42,56
